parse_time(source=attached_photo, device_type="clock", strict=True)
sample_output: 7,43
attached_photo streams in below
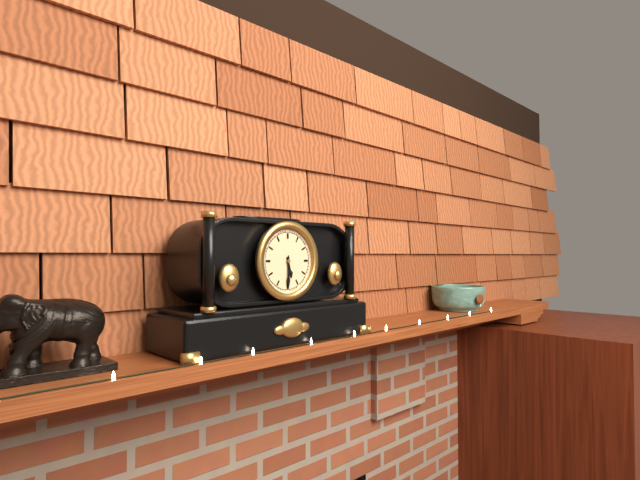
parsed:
5,30
